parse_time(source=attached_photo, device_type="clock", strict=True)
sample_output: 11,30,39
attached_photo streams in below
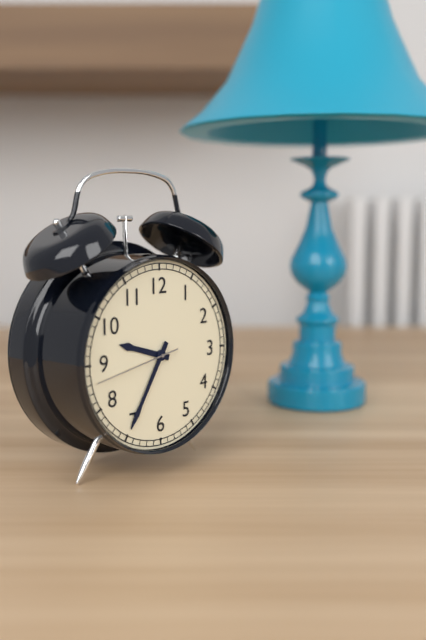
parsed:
9,35,43
